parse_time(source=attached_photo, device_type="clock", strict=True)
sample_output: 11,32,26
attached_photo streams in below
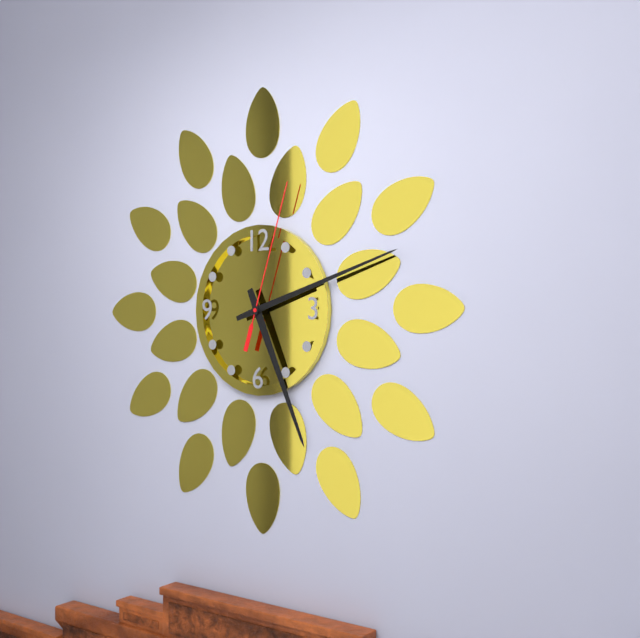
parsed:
5,12,03
